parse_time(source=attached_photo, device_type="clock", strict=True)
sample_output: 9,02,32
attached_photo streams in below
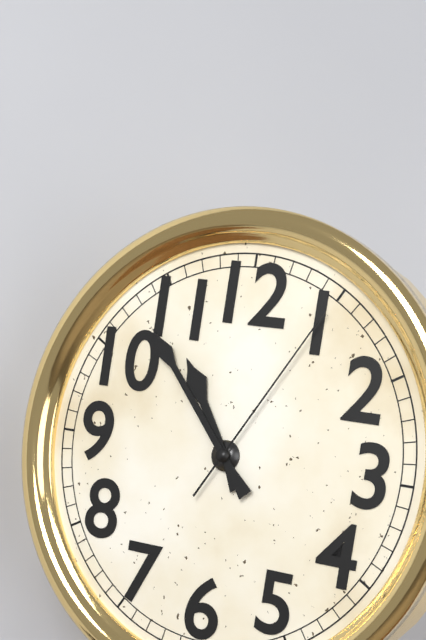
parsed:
10,53,05
